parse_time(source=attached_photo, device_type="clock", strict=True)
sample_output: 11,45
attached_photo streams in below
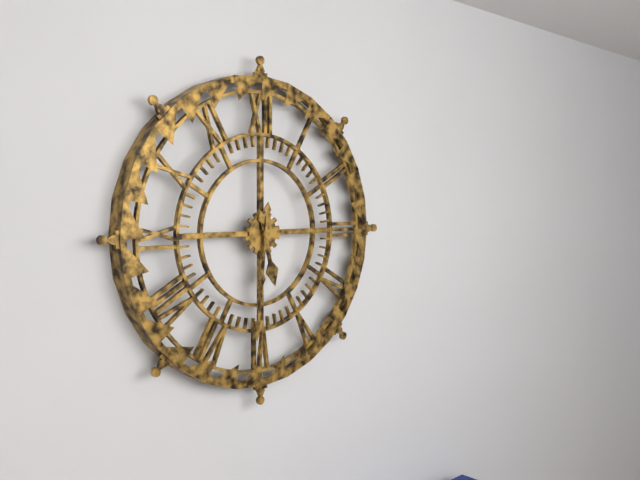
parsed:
5,31
